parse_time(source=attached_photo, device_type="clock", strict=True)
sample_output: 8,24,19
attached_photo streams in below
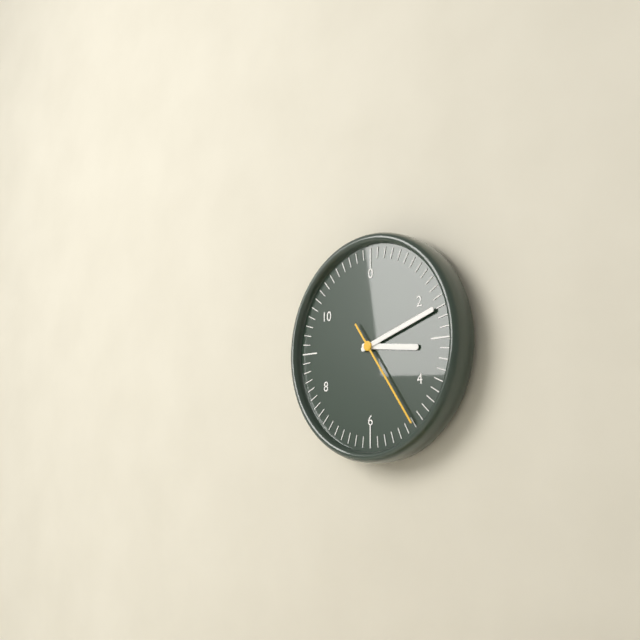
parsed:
3,12,24
